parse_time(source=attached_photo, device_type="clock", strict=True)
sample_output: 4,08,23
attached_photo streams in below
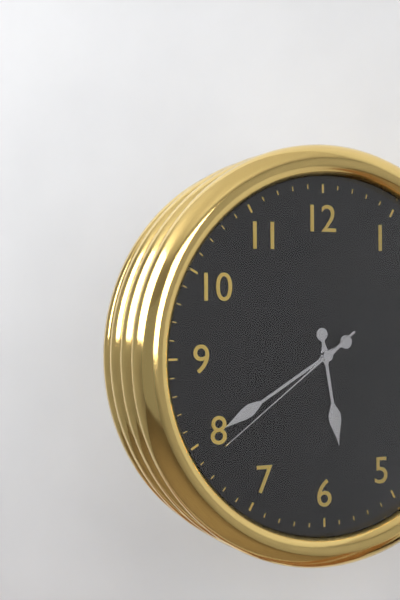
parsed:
5,40,39
